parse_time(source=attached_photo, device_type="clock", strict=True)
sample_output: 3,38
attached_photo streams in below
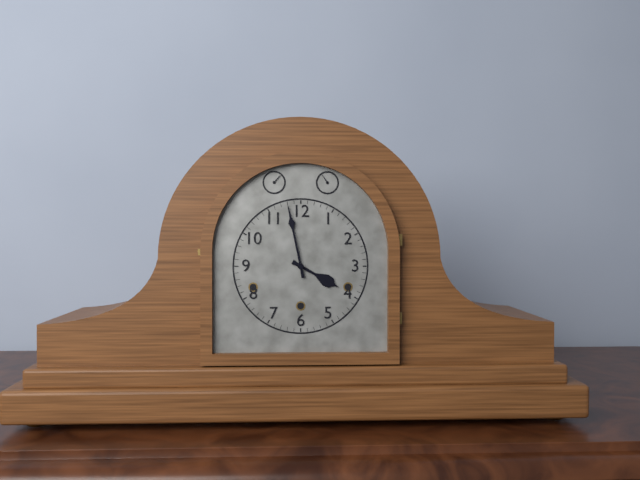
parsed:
3,58
